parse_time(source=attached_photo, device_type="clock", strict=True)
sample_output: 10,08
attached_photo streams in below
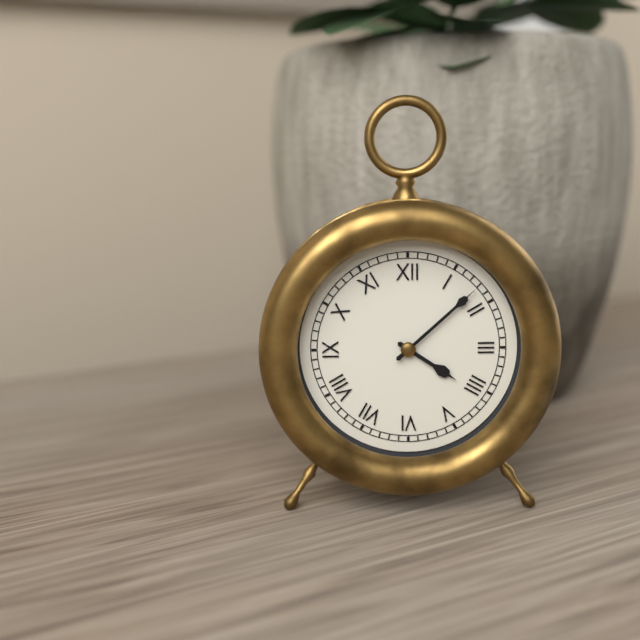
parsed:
4,08
